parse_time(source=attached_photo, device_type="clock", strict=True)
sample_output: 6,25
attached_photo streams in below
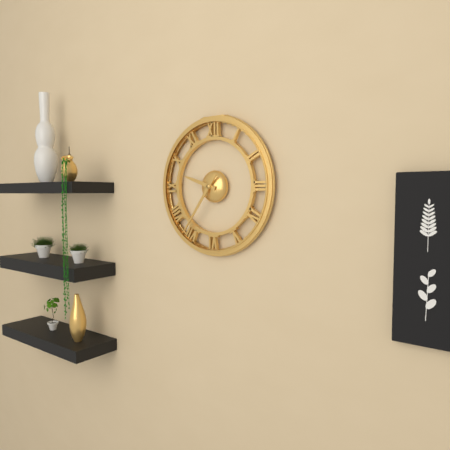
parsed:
9,36
